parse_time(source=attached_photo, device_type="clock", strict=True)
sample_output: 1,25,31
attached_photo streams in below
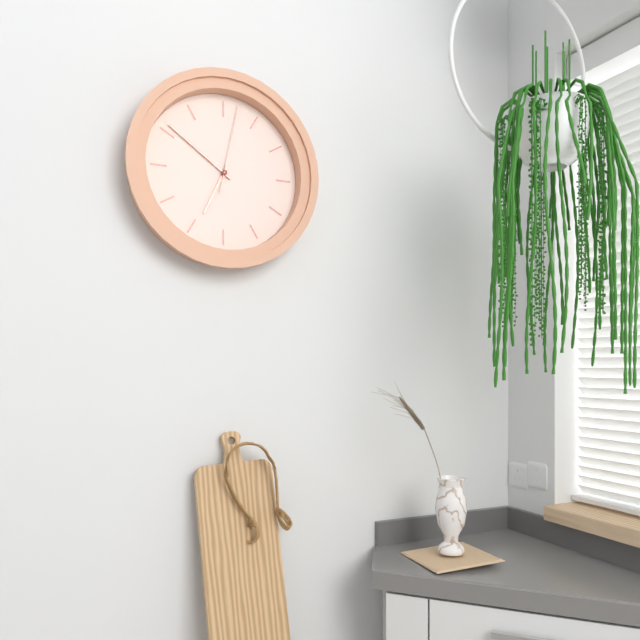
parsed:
6,51,02
